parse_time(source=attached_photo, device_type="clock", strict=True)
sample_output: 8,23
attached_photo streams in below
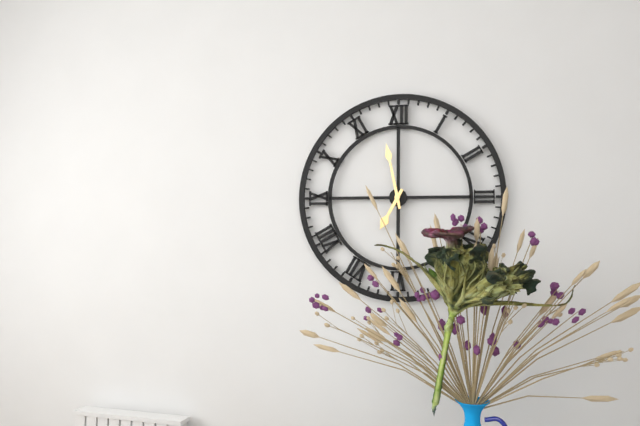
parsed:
6,58
